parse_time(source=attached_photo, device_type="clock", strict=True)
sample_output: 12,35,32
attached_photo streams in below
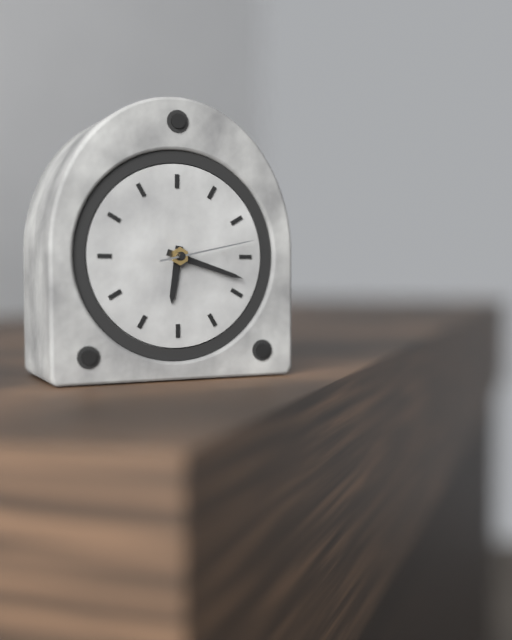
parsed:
6,18,13
